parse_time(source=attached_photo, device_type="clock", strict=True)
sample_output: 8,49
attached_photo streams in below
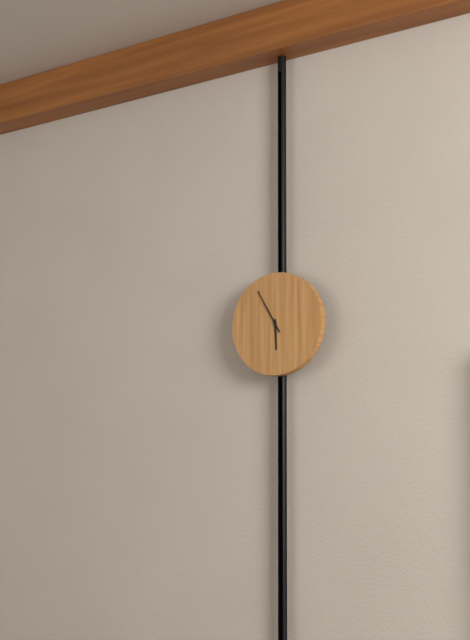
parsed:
5,55
